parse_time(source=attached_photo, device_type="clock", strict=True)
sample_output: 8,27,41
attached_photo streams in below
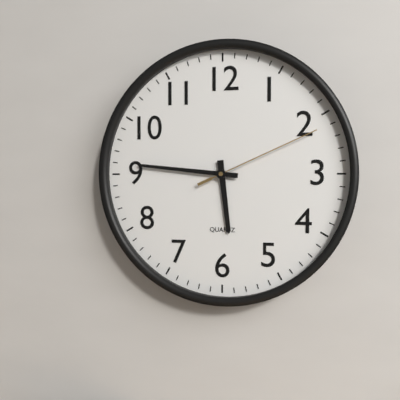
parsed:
5,46,11
